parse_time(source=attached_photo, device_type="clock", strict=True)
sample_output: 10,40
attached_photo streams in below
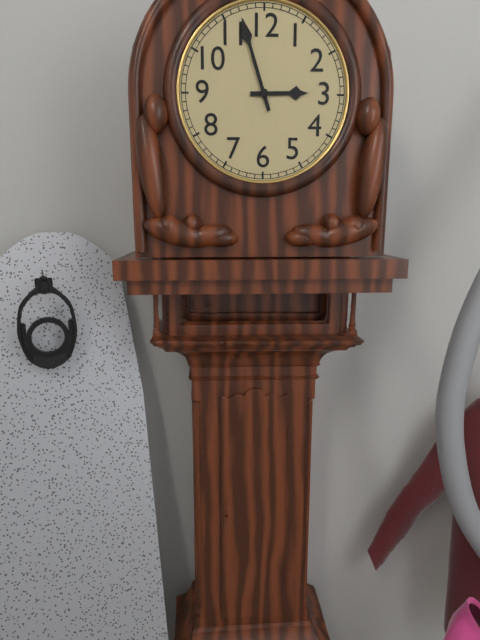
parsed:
2,57
